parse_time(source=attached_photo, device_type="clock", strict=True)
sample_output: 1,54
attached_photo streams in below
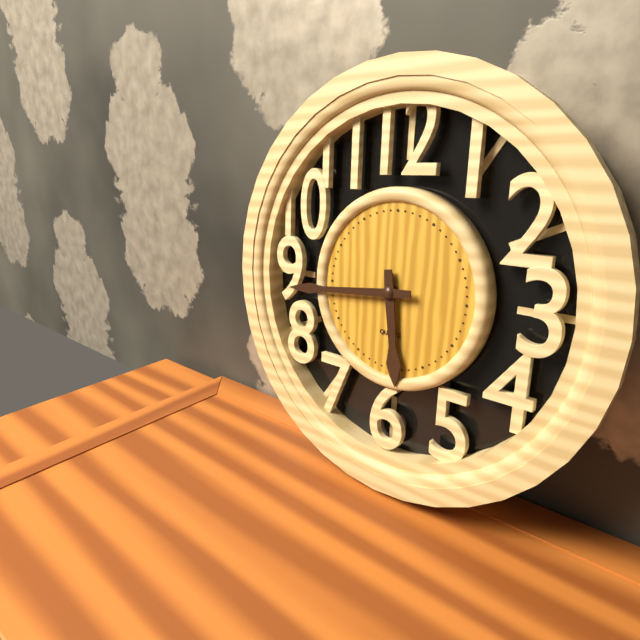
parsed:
5,44
